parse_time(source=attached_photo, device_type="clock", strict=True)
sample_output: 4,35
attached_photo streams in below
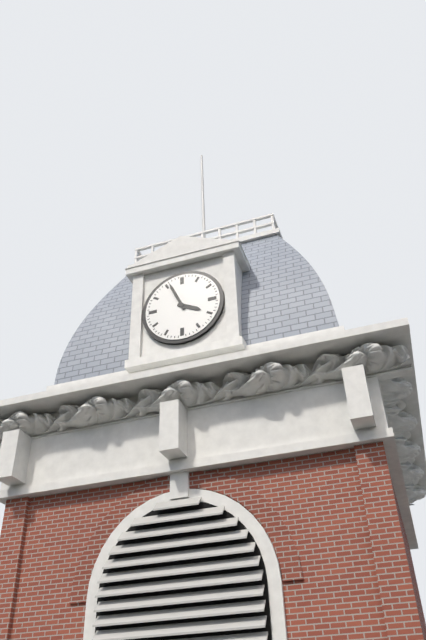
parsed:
3,56
